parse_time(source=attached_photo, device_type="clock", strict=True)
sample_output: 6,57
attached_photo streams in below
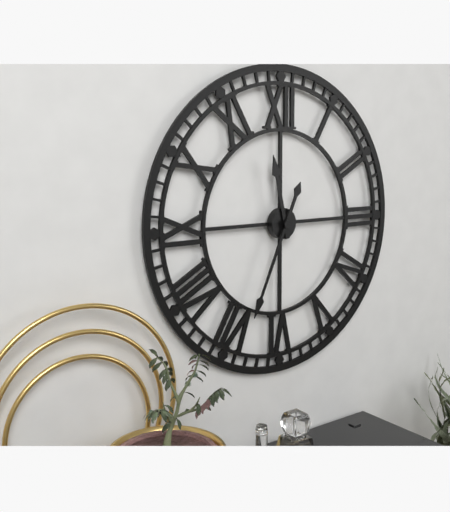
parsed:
11,34
